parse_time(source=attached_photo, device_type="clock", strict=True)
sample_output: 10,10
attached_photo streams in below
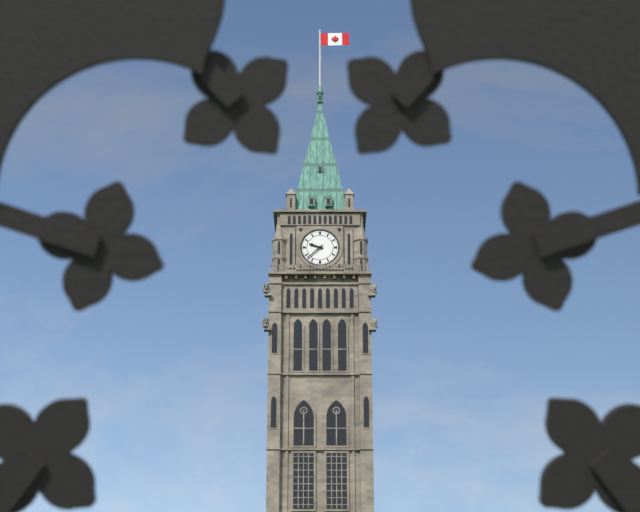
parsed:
9,38
